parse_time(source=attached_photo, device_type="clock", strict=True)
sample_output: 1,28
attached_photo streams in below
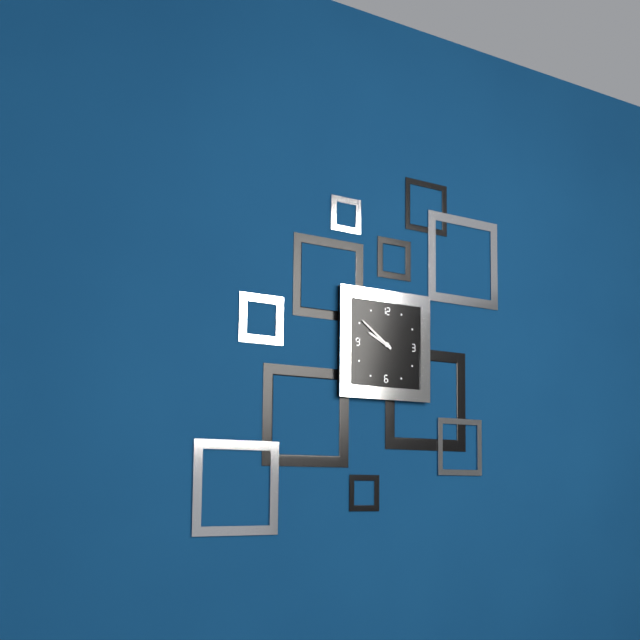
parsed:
9,51
